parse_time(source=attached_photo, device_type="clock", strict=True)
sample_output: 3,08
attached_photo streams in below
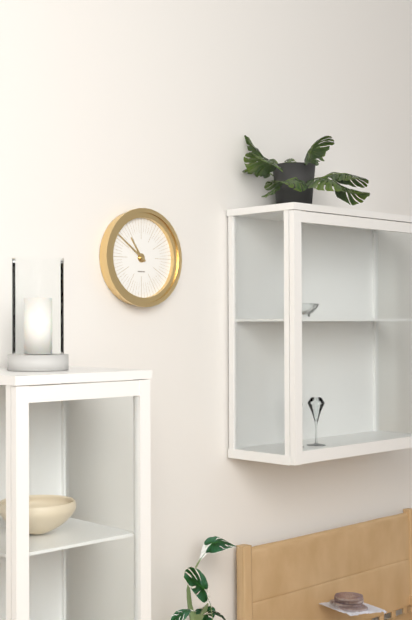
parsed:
10,51
